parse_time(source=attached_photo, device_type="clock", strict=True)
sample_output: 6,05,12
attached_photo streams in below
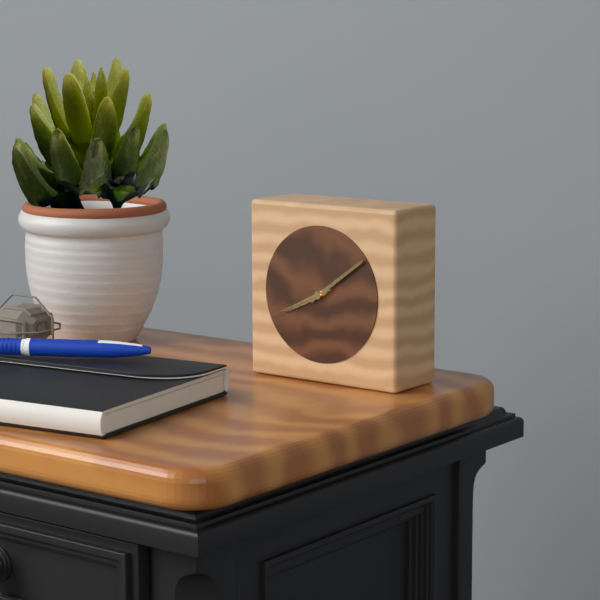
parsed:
8,09,41
